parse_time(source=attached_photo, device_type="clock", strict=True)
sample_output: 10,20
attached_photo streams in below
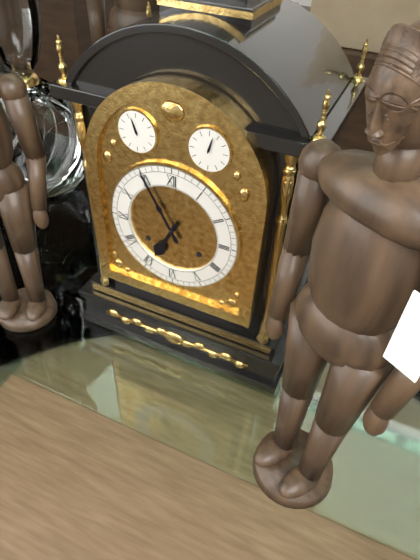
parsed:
6,55
